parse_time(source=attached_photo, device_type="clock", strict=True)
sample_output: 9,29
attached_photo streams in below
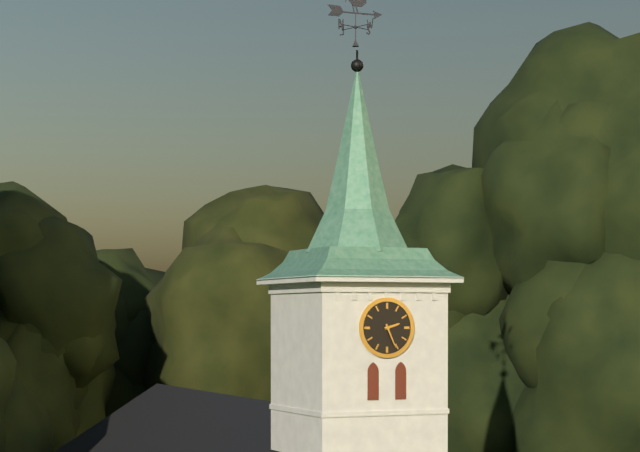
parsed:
2,26
